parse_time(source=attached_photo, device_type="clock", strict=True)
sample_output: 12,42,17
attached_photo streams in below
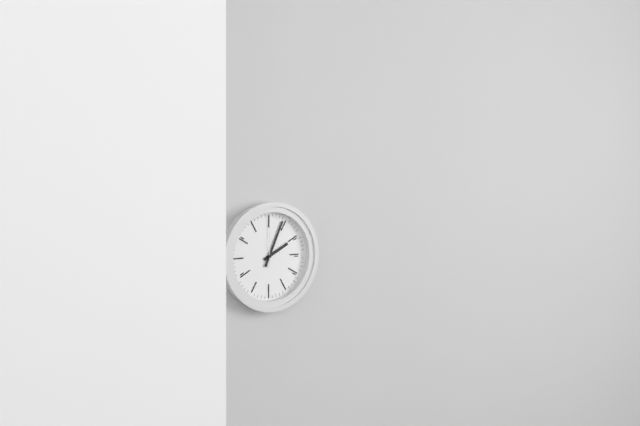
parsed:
2,04,00
